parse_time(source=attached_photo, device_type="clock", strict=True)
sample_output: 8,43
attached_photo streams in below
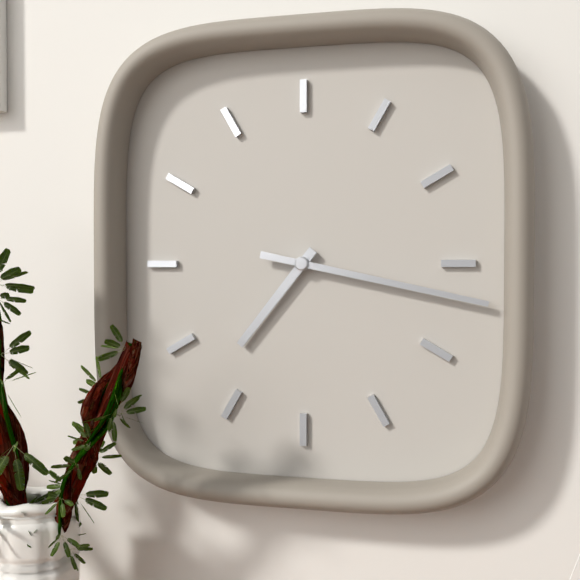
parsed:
7,17
